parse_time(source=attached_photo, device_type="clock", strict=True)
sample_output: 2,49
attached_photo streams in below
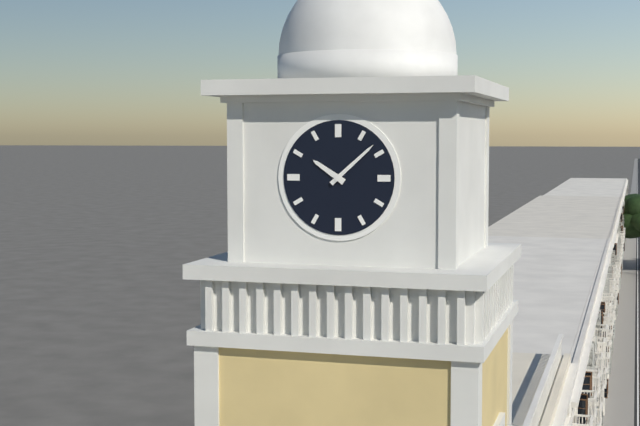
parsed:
10,08
